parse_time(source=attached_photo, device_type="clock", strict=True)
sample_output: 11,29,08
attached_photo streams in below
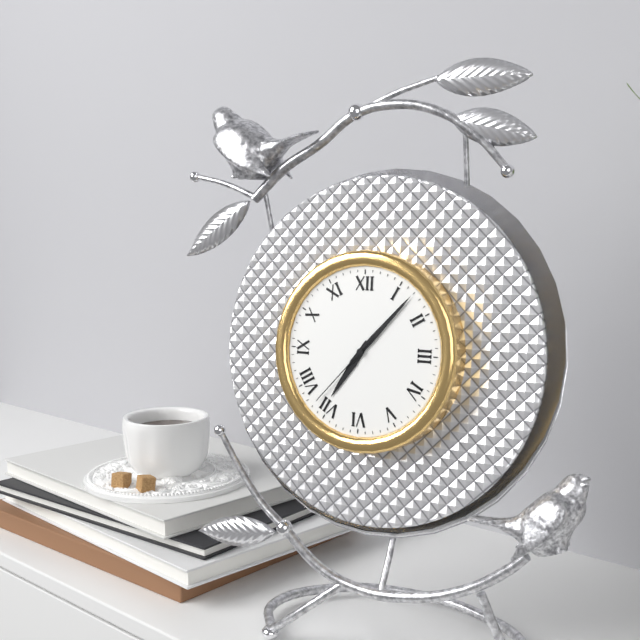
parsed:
7,07,37
